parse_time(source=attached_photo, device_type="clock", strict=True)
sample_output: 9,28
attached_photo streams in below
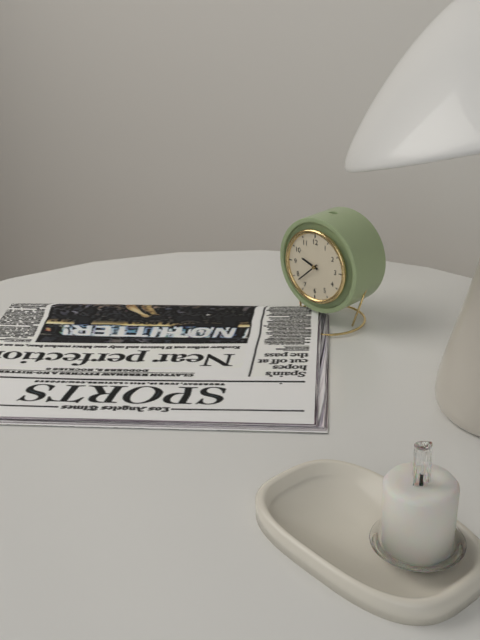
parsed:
9,38
